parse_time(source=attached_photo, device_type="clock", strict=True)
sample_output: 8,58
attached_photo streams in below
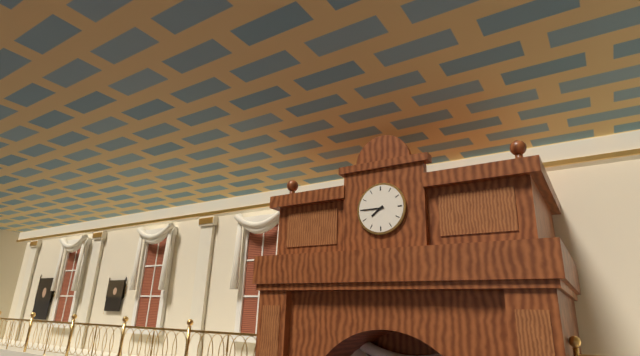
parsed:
7,45
